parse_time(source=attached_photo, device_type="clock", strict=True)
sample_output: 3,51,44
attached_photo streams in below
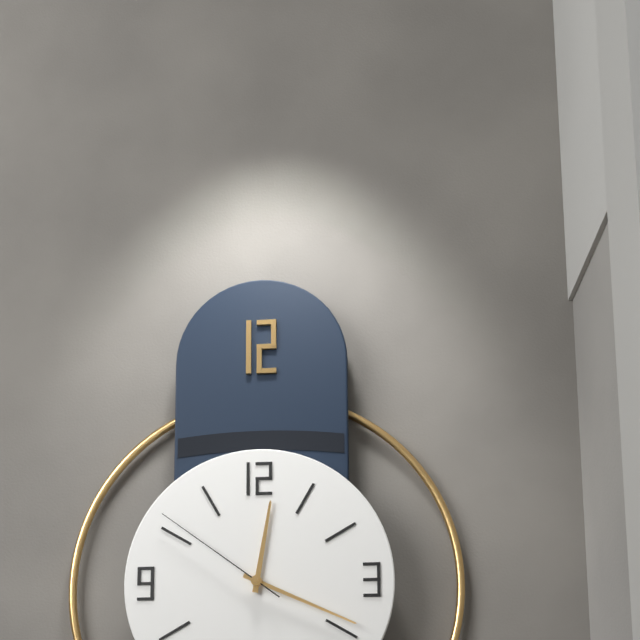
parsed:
12,19,51
